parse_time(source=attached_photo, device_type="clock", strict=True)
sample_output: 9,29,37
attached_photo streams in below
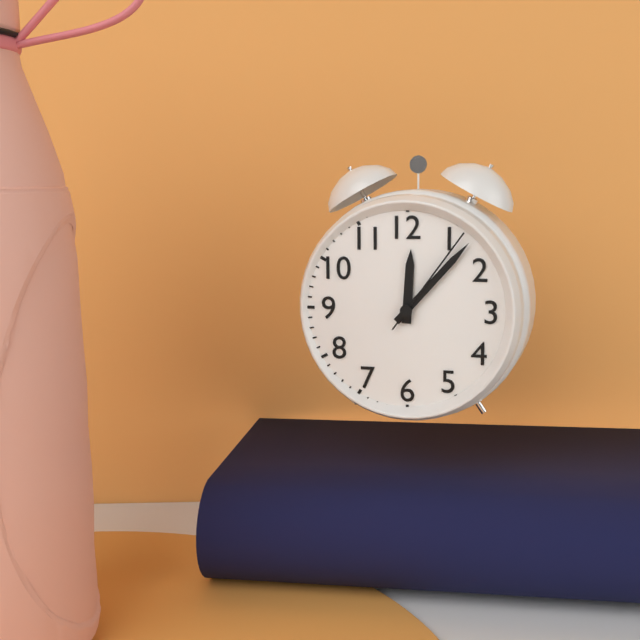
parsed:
12,07,06
